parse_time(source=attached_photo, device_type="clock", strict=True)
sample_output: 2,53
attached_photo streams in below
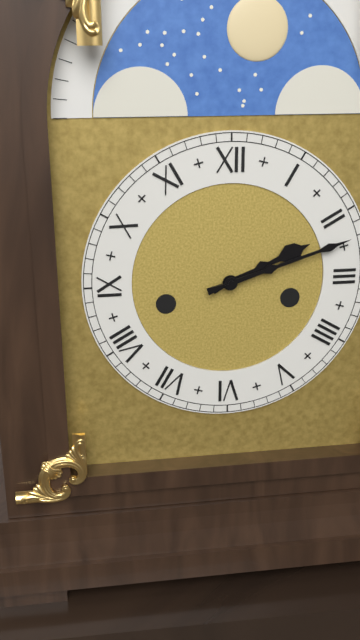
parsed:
2,12
